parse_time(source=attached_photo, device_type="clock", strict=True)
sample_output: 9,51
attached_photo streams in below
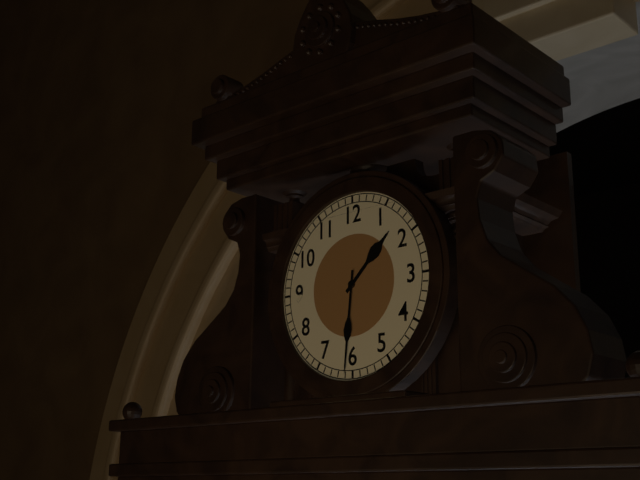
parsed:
1,31
